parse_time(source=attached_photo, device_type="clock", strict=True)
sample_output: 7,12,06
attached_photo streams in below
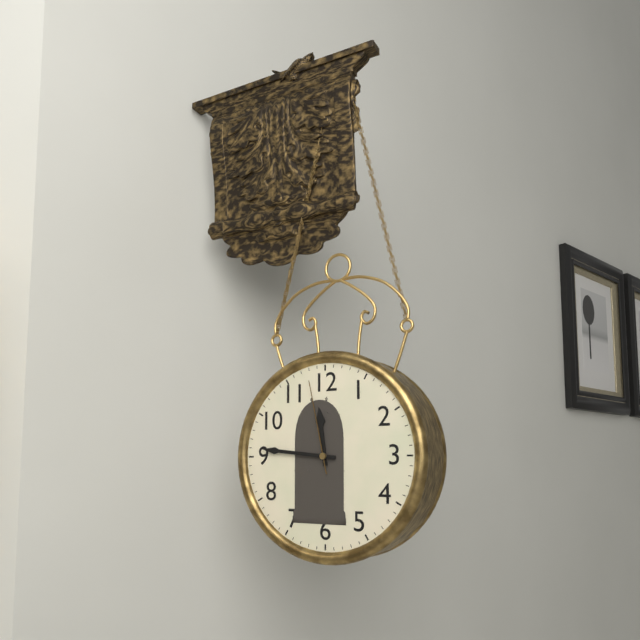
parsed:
11,46,58
